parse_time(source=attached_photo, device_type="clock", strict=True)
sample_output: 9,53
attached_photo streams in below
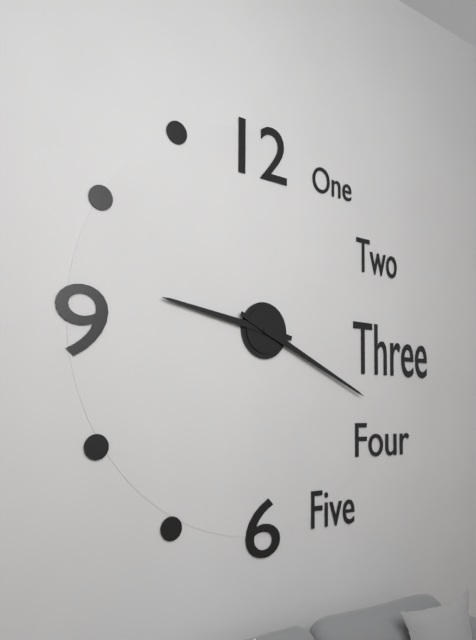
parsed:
9,19
